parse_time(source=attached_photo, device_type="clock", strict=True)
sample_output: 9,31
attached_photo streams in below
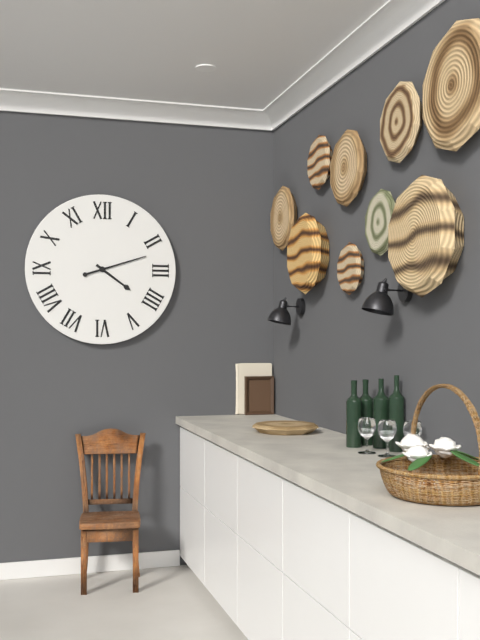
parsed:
4,12
